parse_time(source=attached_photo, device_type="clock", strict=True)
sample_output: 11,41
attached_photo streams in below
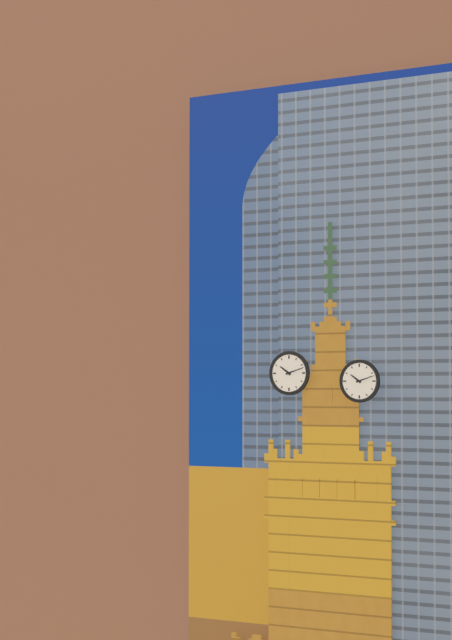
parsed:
10,12
